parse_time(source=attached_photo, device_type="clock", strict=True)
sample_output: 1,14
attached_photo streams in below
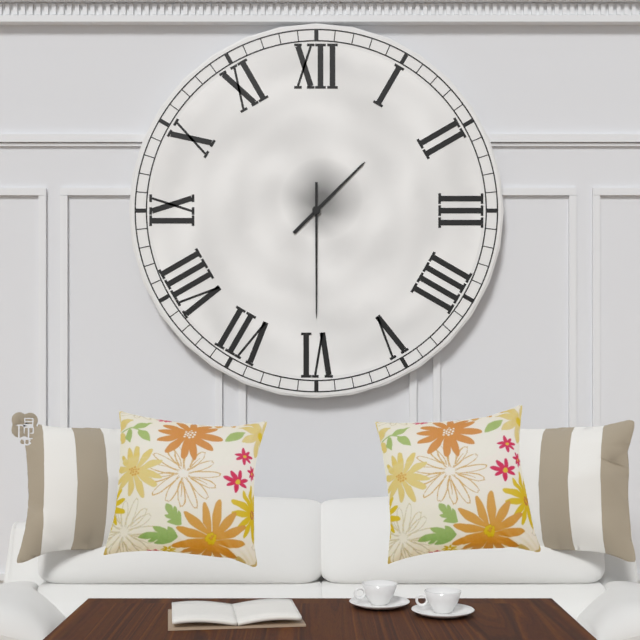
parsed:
1,30
